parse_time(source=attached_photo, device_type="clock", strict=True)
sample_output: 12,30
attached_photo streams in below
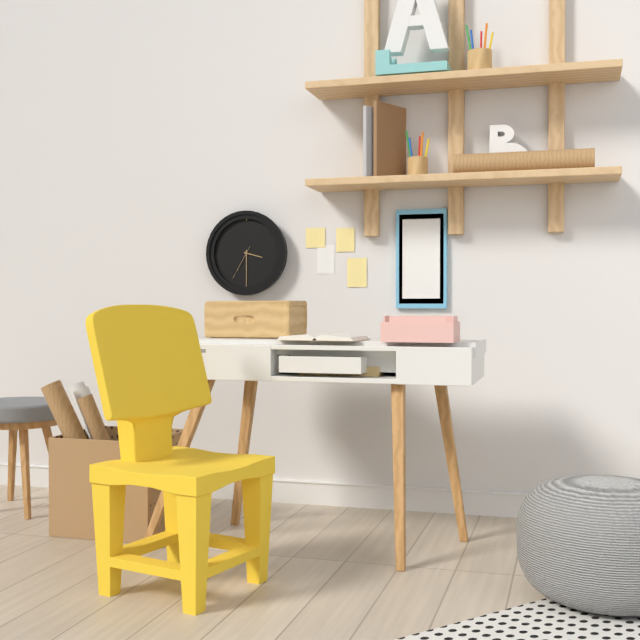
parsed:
3,30
